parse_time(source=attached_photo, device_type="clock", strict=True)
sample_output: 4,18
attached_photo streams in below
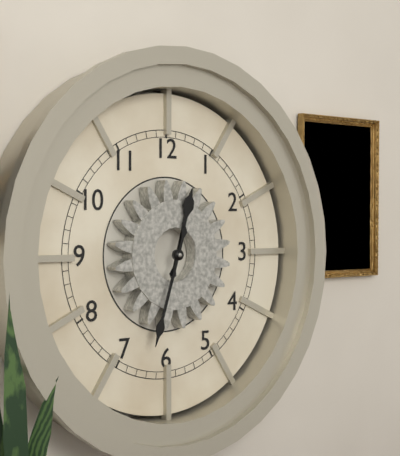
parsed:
12,33
